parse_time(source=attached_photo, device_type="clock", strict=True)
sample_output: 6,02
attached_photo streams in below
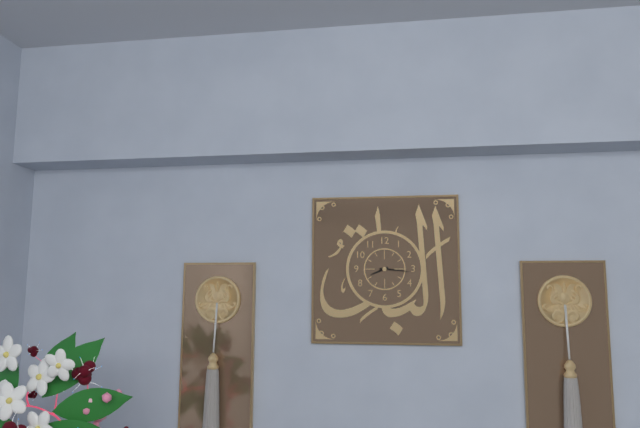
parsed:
8,16
